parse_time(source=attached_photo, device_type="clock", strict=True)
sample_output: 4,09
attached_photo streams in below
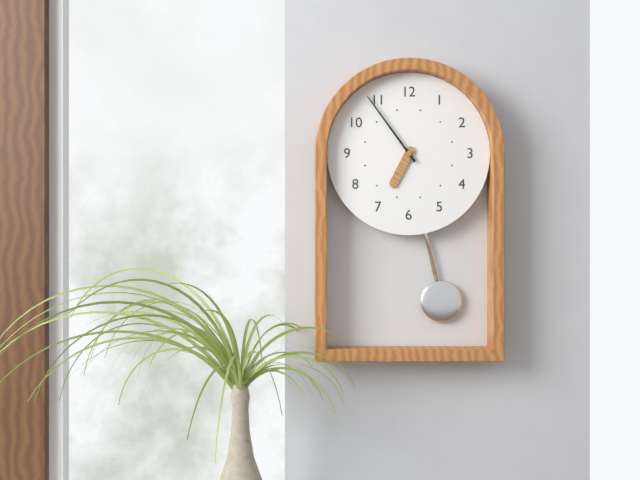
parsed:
6,54
